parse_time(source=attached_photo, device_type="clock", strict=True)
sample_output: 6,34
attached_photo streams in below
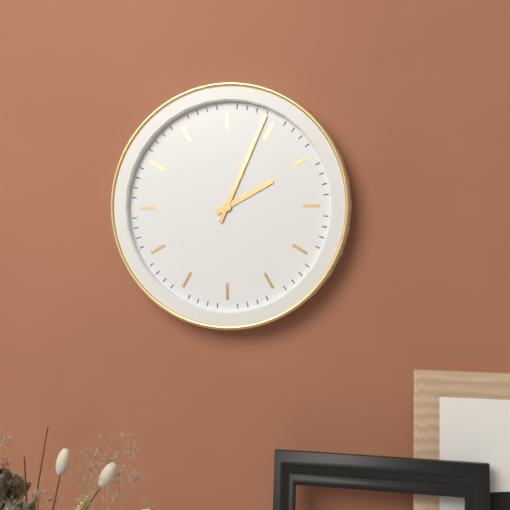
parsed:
2,04
